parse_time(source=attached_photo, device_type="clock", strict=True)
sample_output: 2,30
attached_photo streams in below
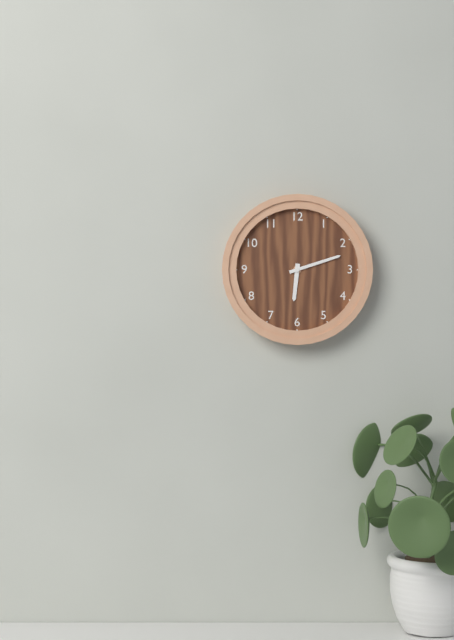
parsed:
6,12
